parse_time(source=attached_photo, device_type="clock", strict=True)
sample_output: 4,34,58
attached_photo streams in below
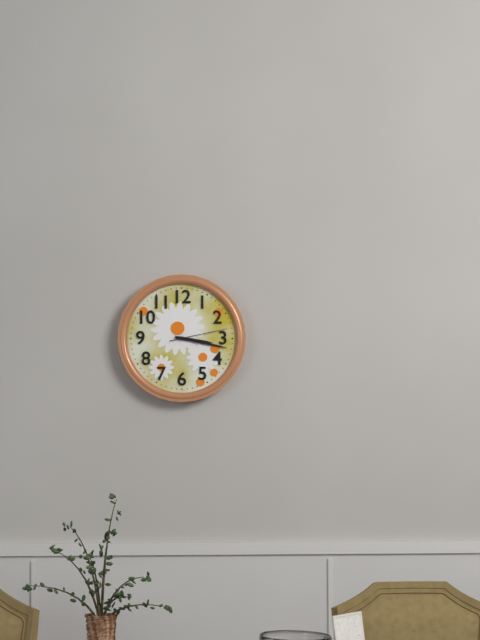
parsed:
3,17,13
